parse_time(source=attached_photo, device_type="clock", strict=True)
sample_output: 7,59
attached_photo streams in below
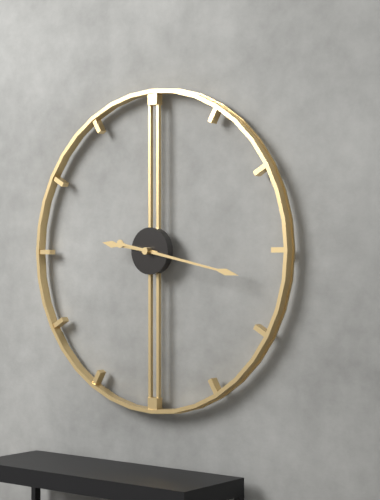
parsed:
9,17
